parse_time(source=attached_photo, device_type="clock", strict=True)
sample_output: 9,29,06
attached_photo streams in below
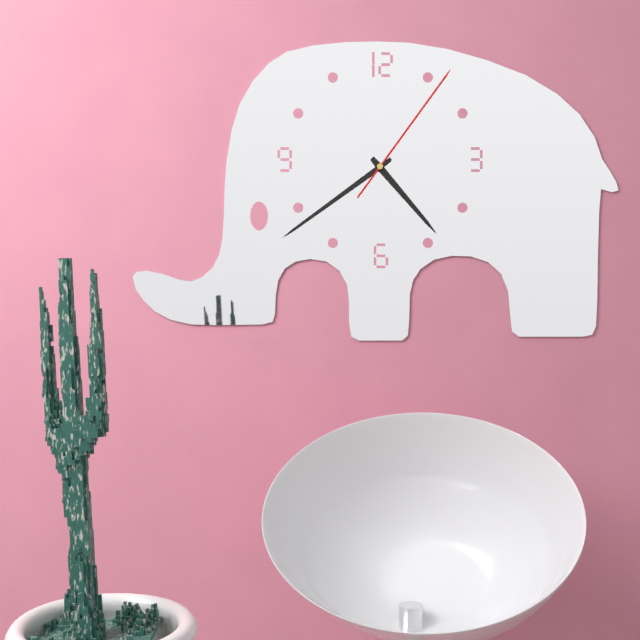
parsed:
4,39,06
